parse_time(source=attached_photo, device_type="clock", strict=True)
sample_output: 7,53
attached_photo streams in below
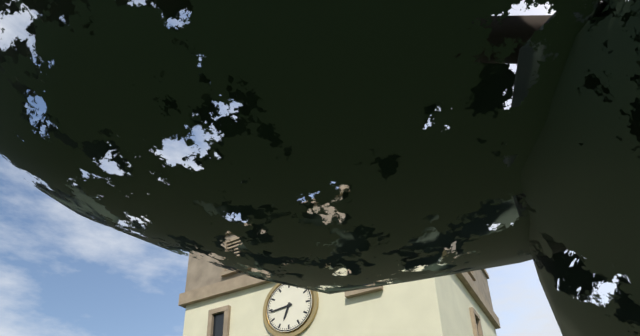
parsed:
6,44
